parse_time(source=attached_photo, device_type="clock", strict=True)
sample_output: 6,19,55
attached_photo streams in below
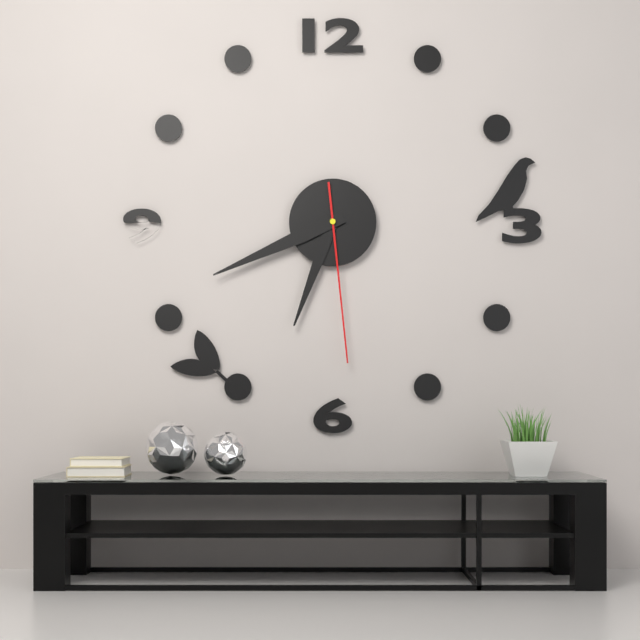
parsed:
6,41,29
